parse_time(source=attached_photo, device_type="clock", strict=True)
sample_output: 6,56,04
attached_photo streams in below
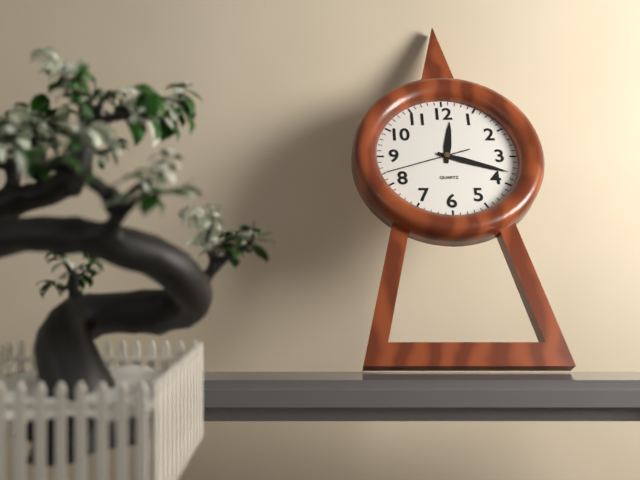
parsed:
12,18,42
